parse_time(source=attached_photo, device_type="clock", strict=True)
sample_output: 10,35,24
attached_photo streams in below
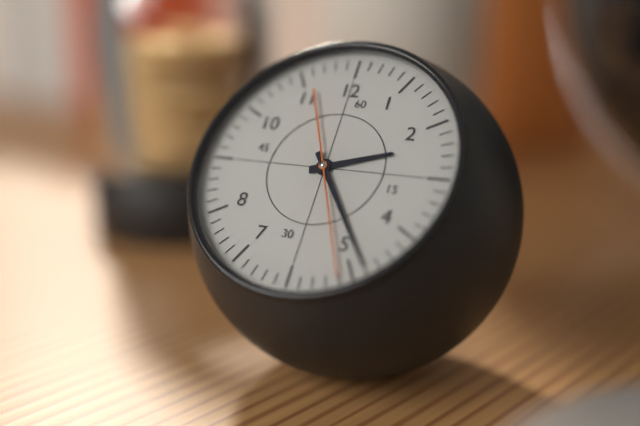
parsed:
2,24,26
